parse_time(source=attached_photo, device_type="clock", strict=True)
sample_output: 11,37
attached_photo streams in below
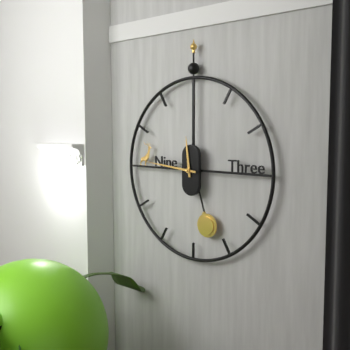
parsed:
11,46
